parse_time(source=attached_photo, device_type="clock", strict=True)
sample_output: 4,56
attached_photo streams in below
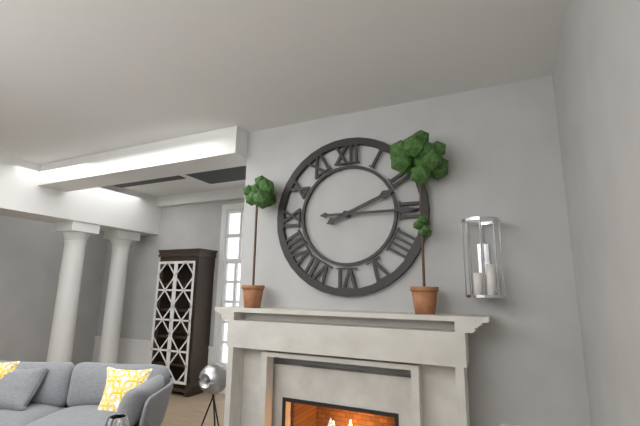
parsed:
2,15
